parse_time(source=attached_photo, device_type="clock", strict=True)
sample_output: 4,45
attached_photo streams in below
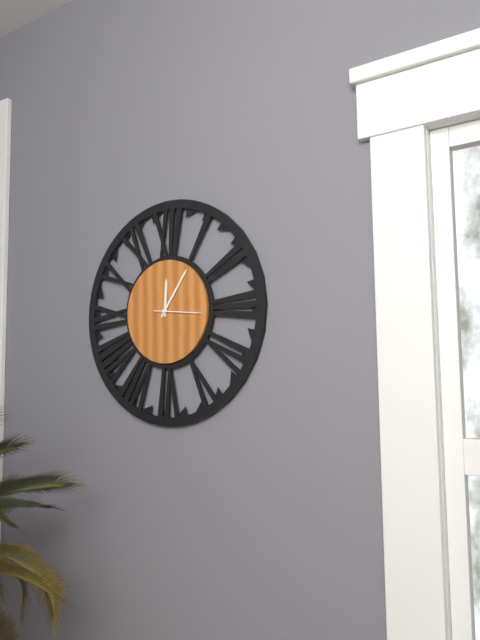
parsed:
12,06
